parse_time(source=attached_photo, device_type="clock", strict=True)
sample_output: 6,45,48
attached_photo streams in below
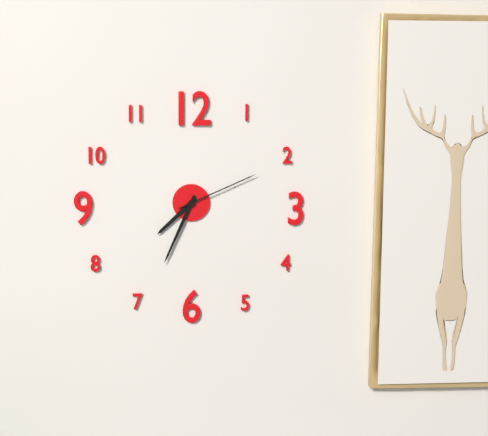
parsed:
7,34,11
